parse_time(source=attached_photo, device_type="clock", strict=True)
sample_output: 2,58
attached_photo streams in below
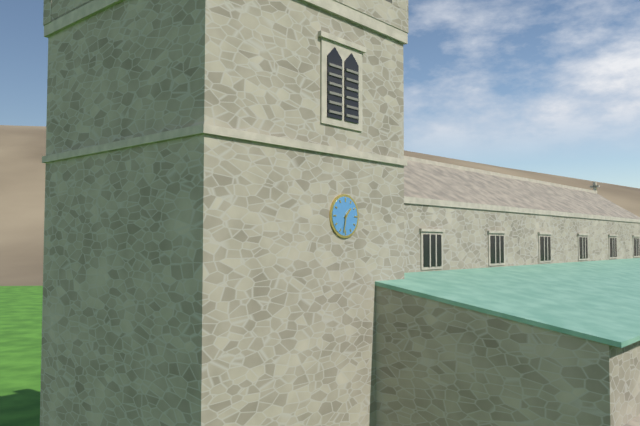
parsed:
1,32
